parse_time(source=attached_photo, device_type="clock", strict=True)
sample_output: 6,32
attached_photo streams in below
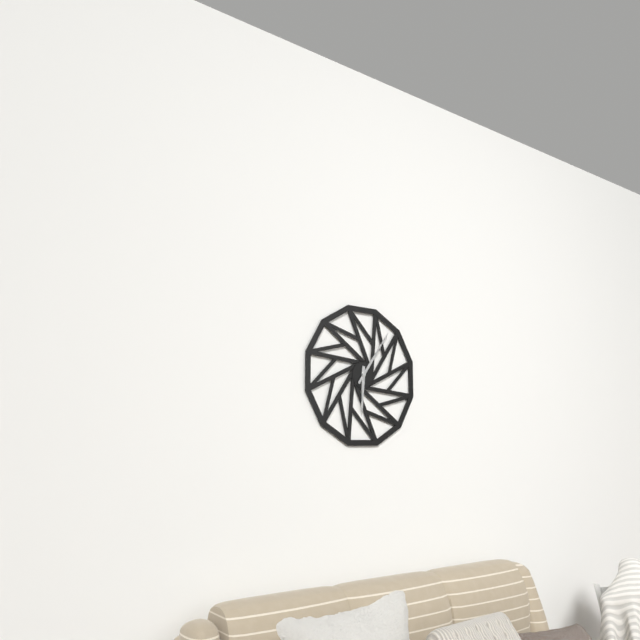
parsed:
6,06
